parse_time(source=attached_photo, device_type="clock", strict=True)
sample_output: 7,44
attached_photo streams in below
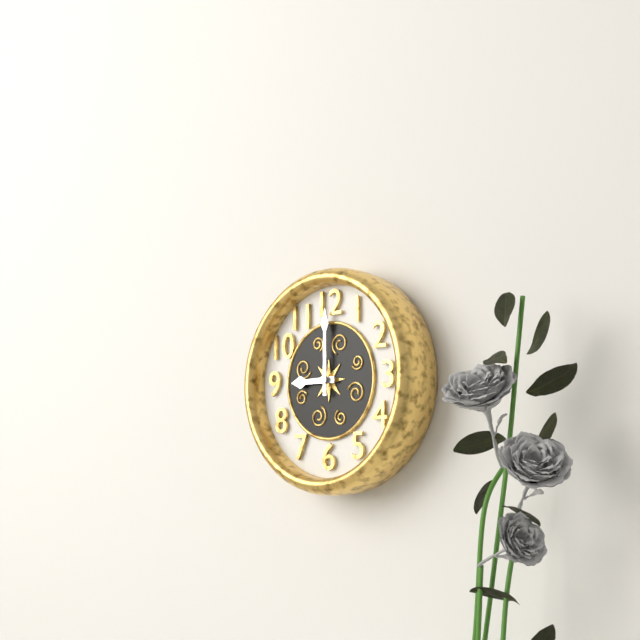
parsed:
9,00
